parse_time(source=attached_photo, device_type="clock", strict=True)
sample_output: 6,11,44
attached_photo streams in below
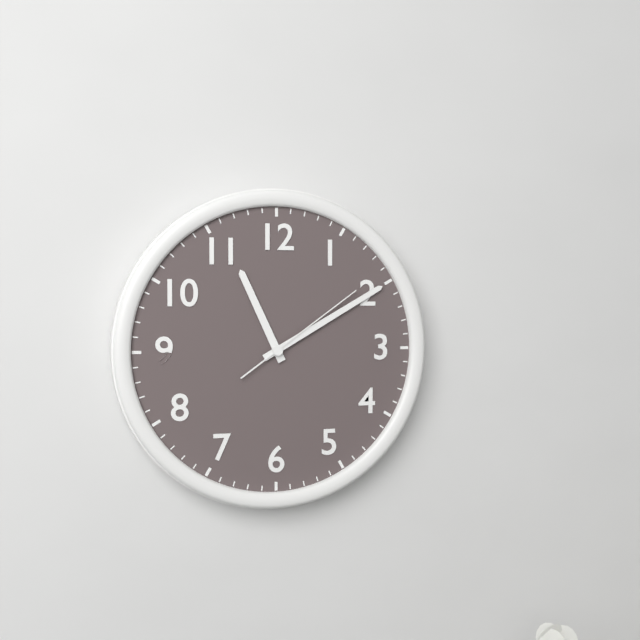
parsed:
11,10,09
